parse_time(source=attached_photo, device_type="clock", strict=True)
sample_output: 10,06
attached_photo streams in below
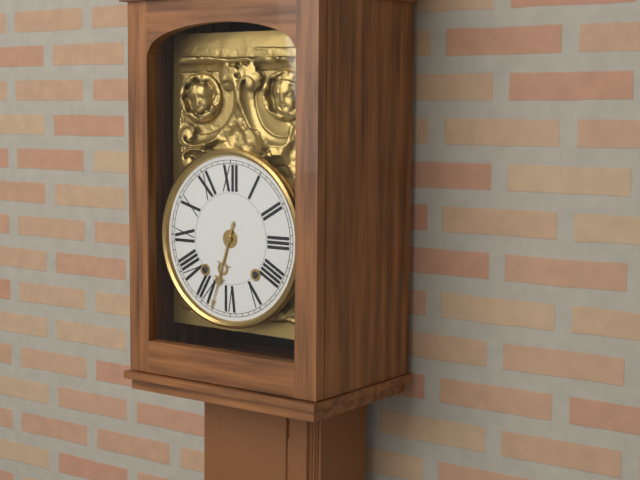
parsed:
6,33
